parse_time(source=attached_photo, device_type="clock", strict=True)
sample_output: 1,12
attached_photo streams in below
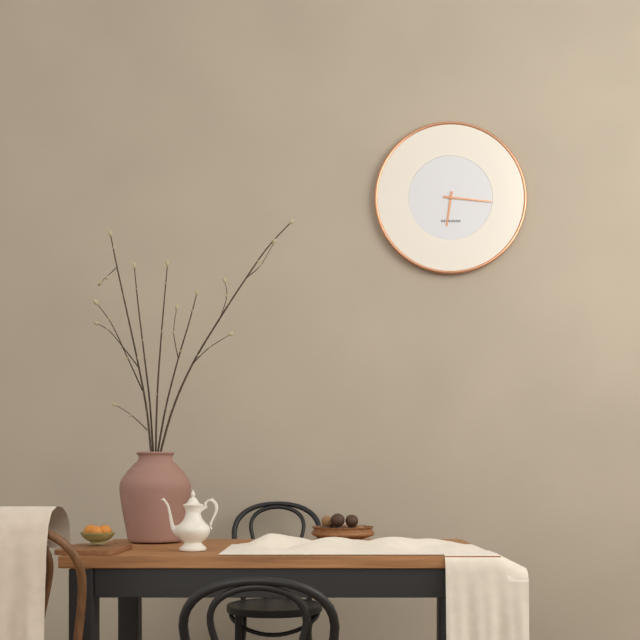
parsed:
6,16
